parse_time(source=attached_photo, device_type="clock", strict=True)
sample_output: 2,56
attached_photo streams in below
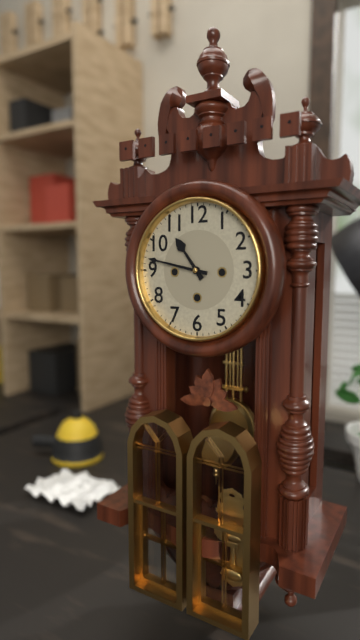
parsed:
10,47
